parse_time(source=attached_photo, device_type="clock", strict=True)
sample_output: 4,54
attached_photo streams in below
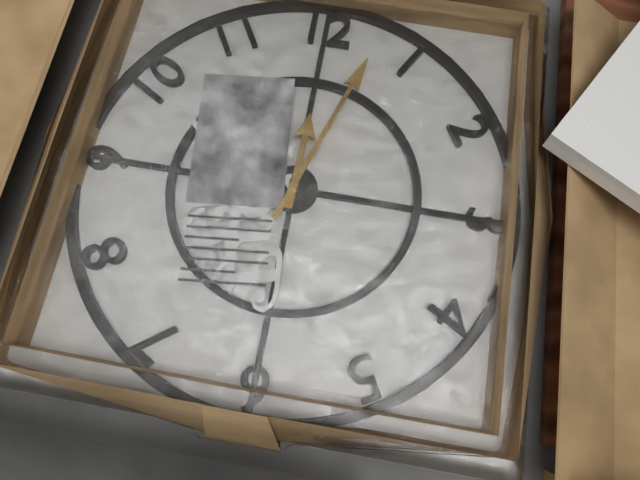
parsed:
12,03
